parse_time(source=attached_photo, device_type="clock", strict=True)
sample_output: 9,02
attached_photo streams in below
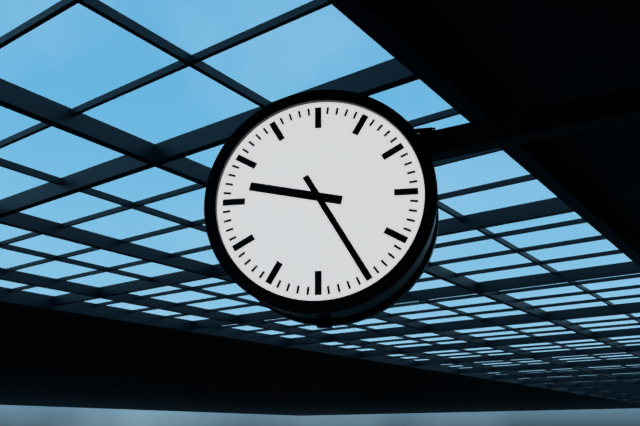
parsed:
9,25
